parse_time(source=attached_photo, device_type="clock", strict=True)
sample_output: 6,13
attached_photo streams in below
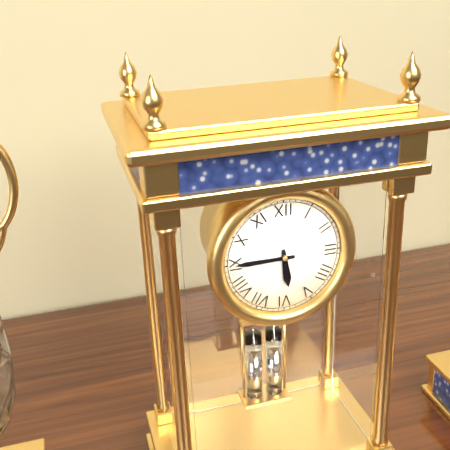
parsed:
5,45
